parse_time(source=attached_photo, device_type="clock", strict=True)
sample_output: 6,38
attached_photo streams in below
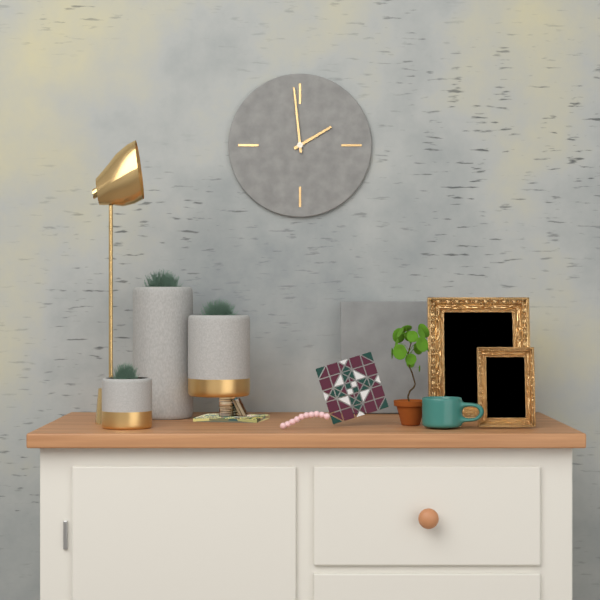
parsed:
1,59
